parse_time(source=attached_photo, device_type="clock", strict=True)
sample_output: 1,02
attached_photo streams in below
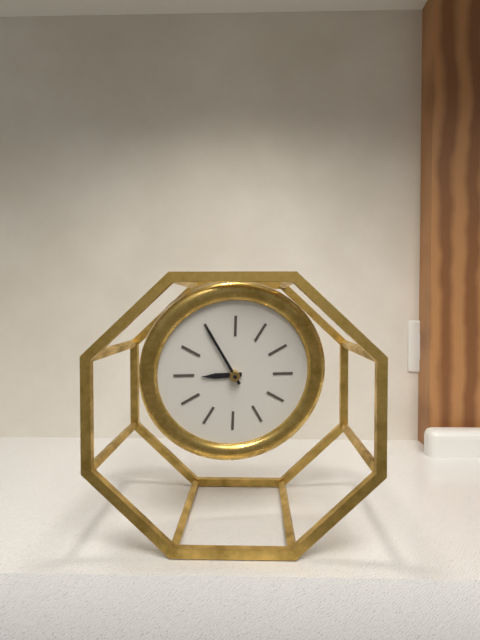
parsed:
8,55
